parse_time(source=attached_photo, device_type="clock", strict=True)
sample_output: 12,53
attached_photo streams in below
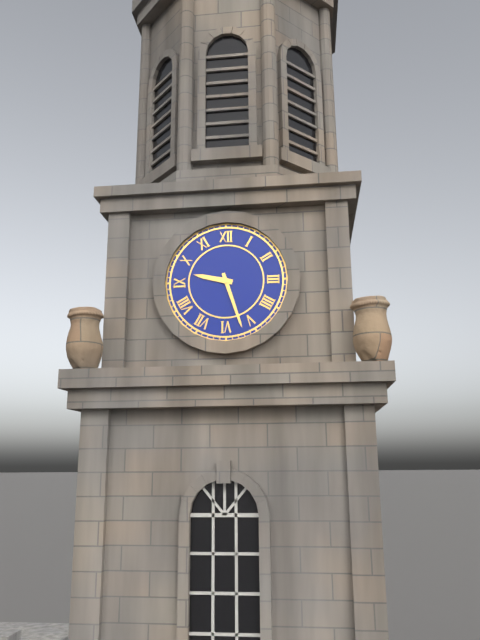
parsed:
9,27
